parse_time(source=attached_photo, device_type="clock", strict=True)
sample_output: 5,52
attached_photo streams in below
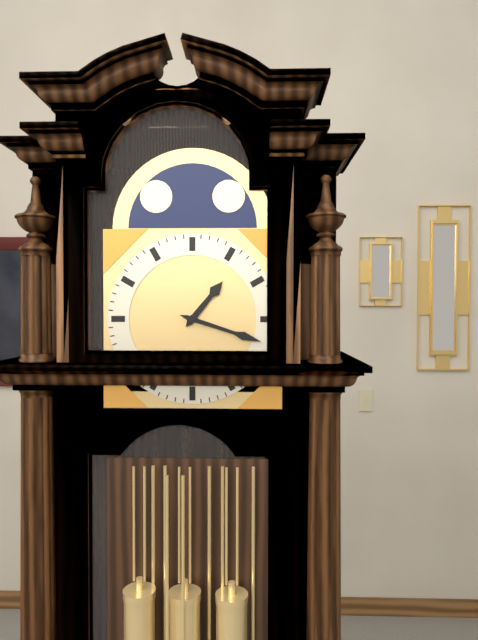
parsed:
1,18
